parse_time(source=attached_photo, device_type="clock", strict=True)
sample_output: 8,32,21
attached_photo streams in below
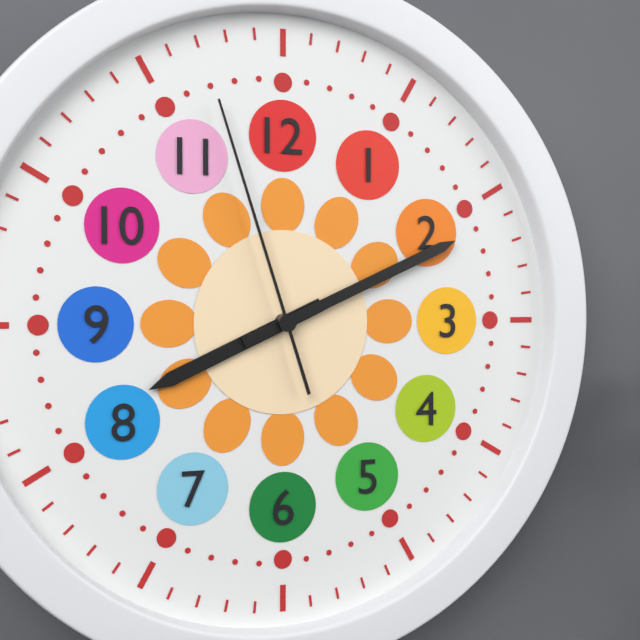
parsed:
8,11,57
